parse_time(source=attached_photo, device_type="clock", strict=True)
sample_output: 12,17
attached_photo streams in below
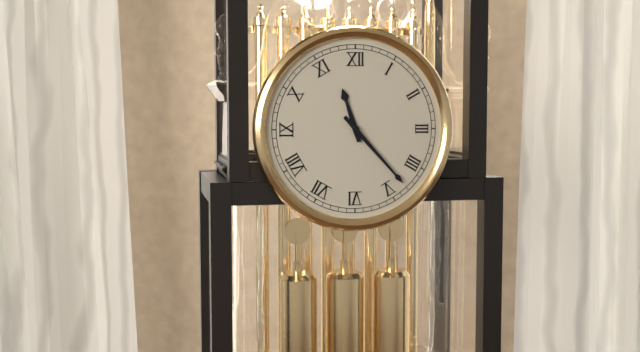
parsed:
11,23
